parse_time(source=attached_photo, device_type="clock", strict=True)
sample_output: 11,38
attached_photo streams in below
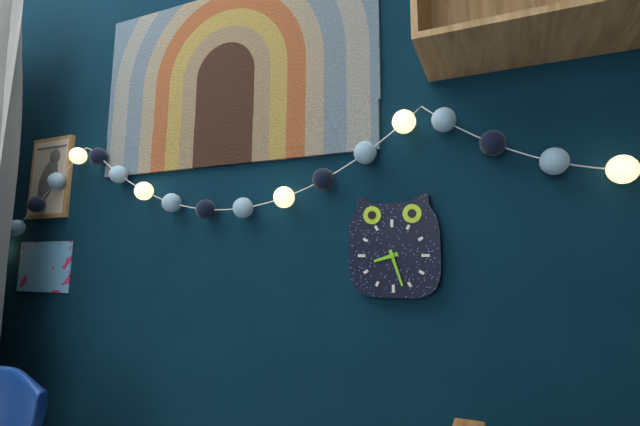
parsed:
8,27
